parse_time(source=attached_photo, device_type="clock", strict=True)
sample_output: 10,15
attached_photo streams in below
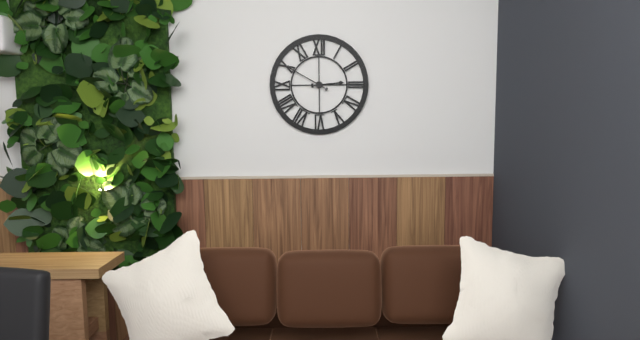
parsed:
2,50
